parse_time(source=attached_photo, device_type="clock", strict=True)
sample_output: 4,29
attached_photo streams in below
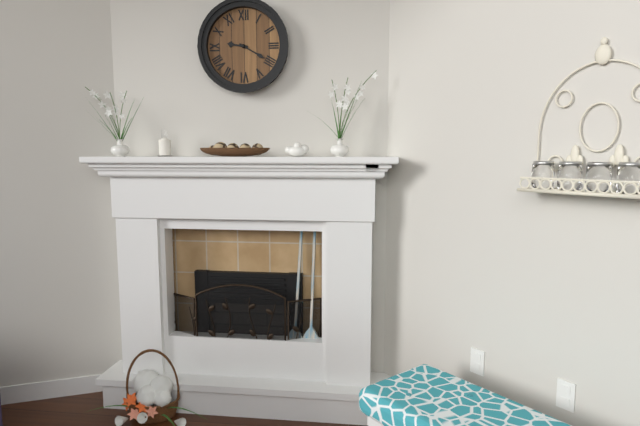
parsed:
9,20
